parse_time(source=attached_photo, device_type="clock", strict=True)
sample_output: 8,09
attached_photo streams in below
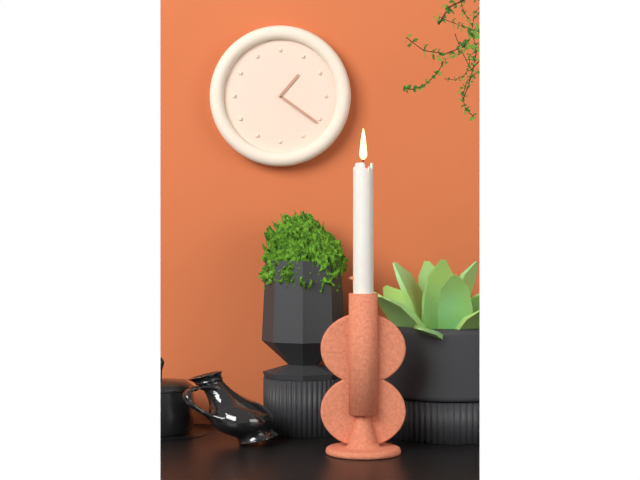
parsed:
1,21
